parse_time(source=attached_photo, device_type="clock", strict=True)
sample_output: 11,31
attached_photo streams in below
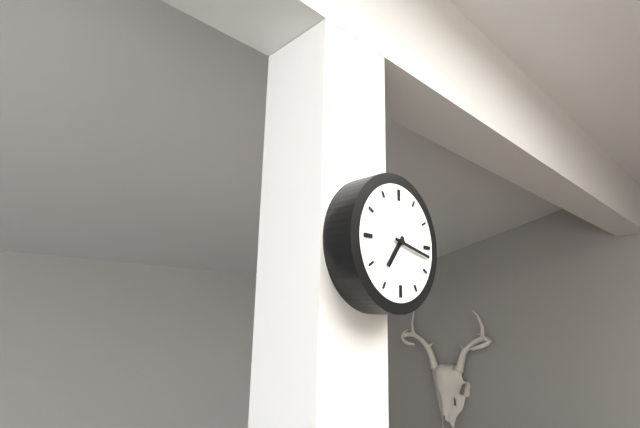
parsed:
7,17
